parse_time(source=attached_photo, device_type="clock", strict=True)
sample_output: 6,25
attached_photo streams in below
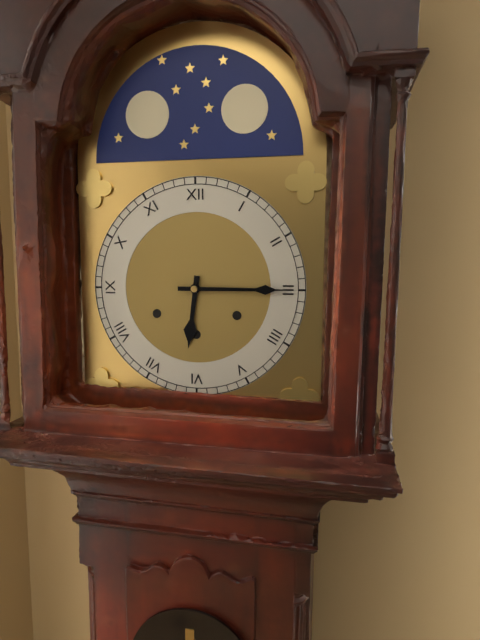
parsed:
6,15
